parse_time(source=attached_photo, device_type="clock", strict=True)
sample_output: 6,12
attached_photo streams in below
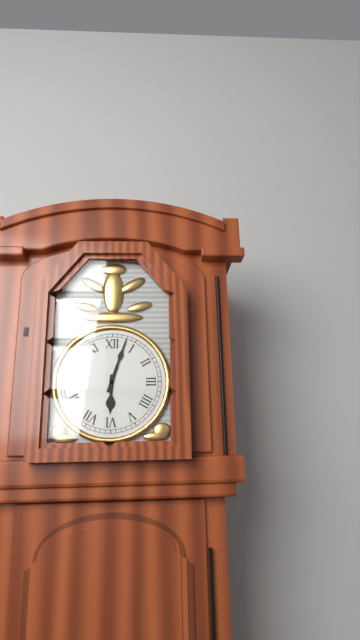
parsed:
6,03
